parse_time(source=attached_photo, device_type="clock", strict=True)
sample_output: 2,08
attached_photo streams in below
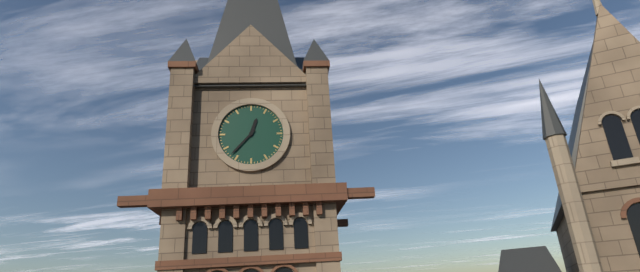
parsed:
12,37
